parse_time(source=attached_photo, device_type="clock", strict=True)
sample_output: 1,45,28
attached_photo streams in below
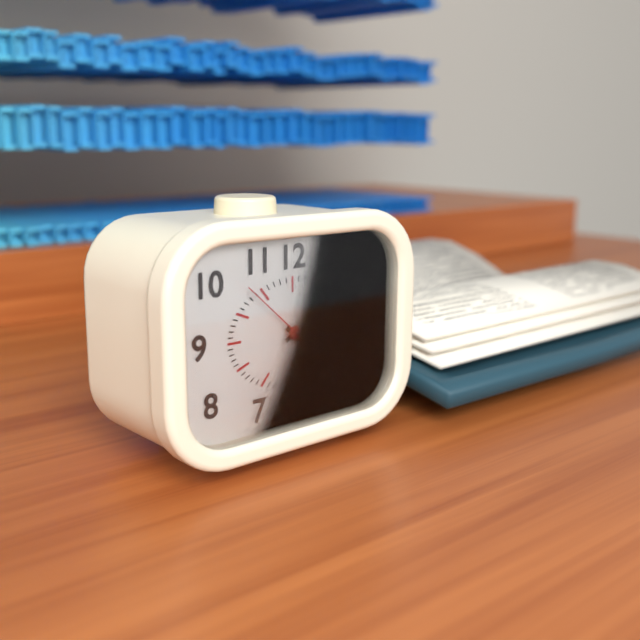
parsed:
4,10,52
